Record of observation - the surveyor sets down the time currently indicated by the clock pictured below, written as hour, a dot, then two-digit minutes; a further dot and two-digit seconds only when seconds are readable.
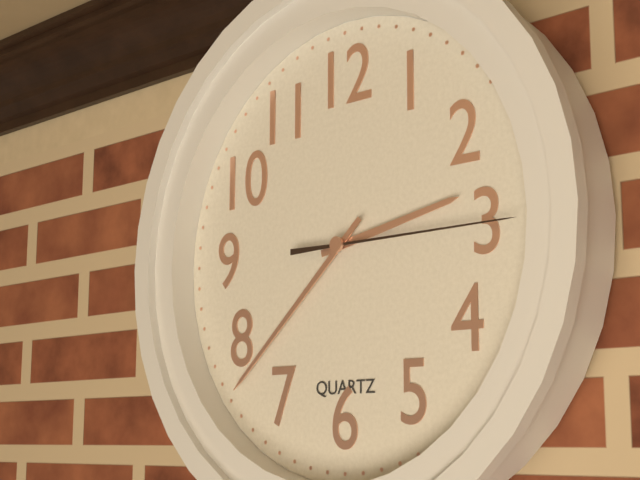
2.38.15
